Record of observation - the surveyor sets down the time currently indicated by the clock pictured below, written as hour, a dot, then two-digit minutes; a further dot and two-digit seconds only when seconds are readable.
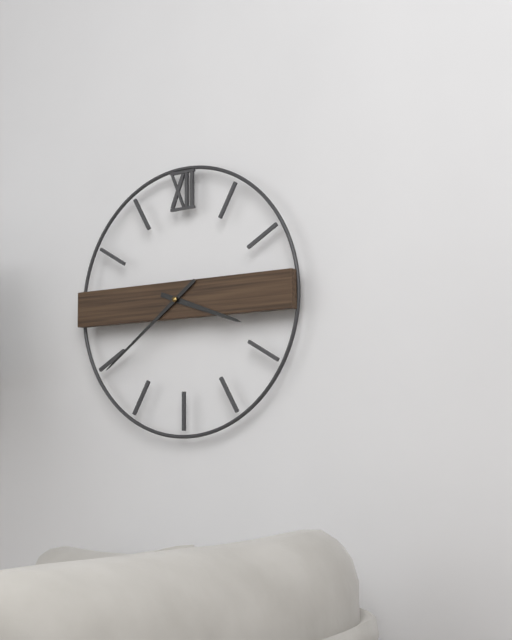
3.39
